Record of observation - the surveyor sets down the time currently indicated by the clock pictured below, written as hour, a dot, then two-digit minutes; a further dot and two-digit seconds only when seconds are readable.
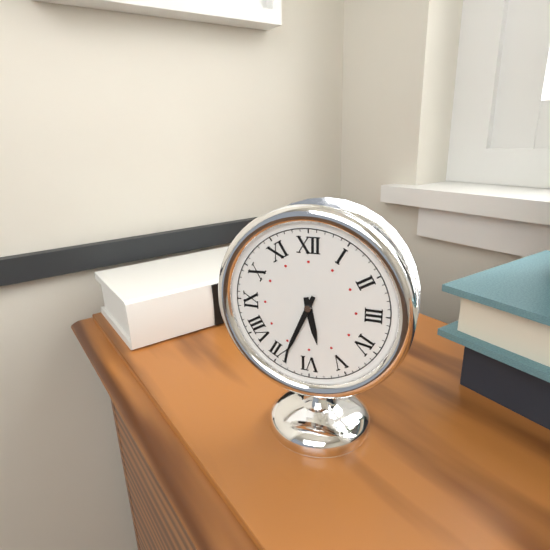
5.34
